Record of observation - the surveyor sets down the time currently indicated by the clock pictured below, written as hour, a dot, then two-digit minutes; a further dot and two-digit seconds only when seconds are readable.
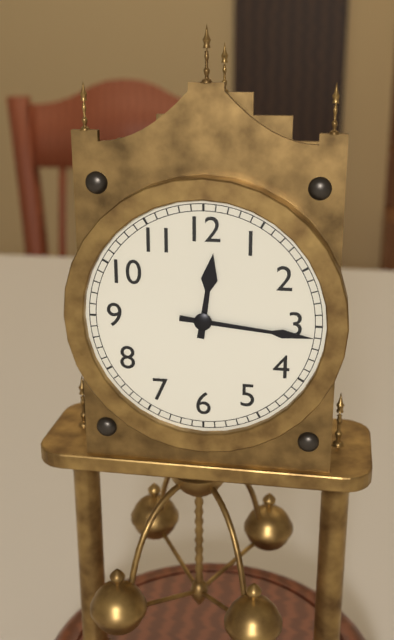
12.16
